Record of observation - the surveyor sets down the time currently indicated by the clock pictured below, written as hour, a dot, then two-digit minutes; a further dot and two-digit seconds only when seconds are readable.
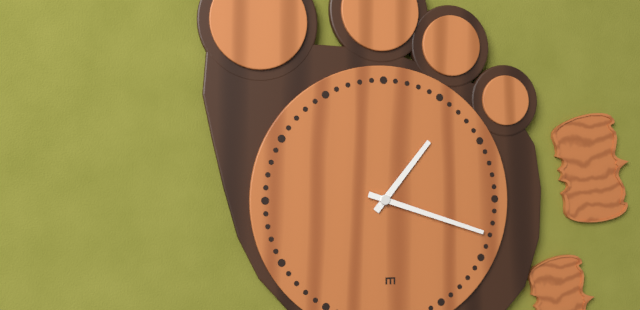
1.18
